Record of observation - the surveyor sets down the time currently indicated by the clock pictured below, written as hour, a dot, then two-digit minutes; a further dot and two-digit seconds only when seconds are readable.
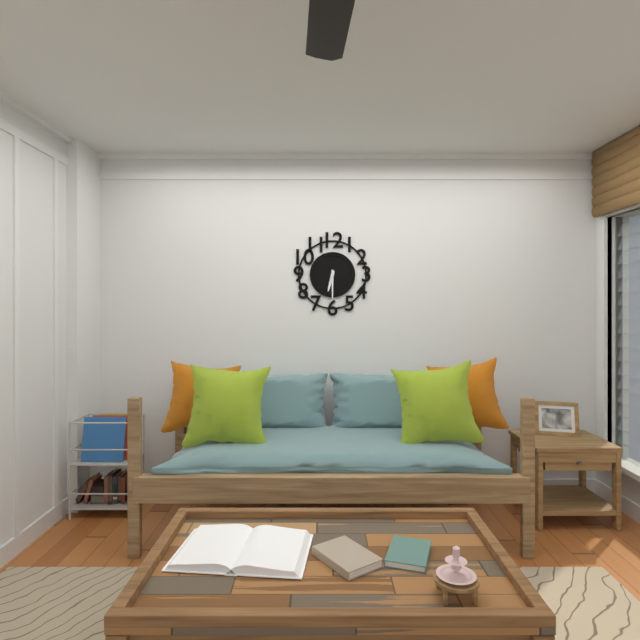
6.30
